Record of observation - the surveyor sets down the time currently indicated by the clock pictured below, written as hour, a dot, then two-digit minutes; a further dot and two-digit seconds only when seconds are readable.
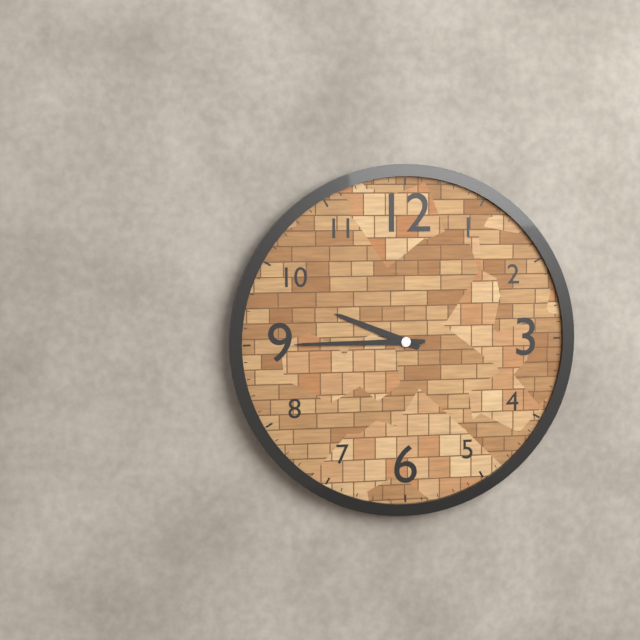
9.45
